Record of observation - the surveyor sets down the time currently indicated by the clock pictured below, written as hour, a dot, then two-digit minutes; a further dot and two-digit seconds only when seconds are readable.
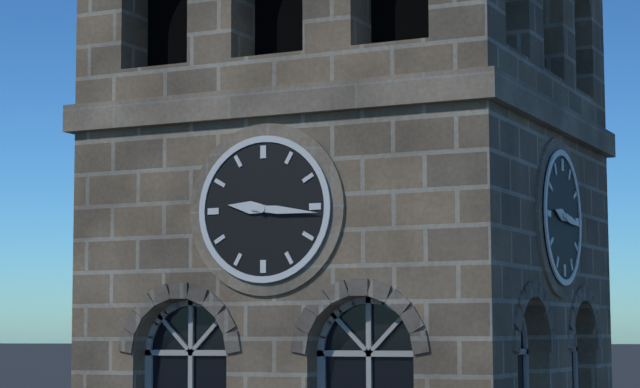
9.16
